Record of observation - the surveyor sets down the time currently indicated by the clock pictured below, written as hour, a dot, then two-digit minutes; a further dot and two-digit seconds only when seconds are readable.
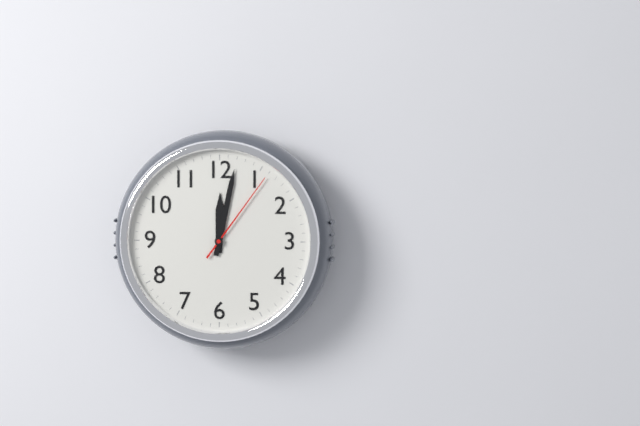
12.02.06
